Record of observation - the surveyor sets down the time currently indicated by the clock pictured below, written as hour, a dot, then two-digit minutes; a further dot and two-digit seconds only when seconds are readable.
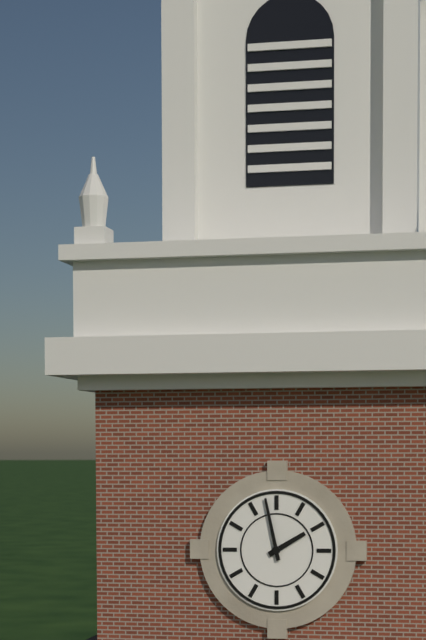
1.58
